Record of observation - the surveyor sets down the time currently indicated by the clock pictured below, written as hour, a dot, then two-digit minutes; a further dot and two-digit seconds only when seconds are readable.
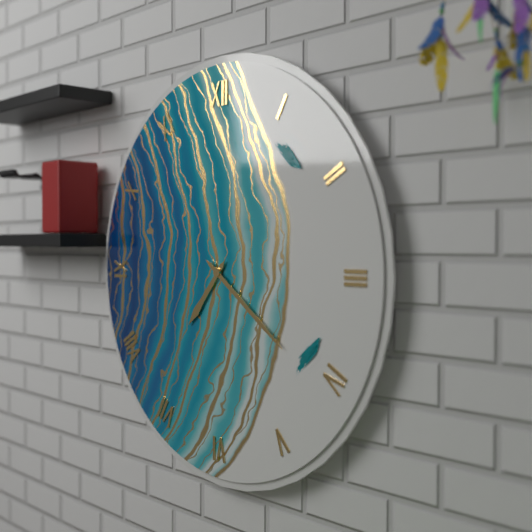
7.21
